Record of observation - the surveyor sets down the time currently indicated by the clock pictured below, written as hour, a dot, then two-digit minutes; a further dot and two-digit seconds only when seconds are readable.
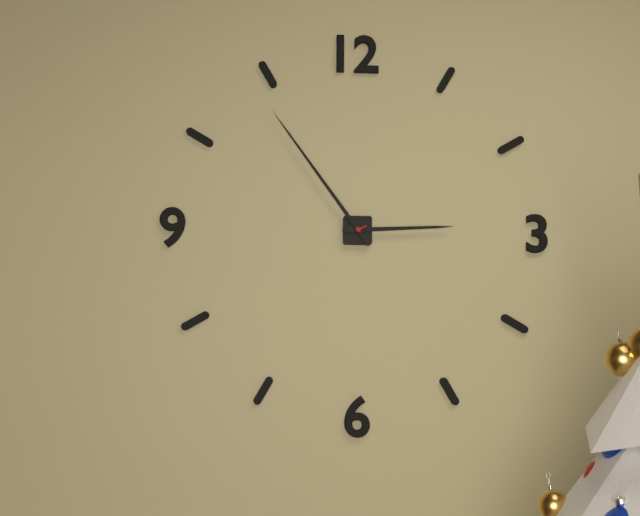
2.54
